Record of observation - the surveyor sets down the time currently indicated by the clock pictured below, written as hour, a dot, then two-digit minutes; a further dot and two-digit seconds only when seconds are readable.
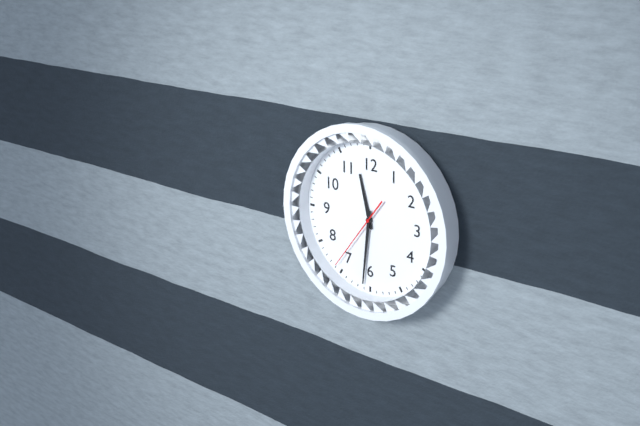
11.31.36
